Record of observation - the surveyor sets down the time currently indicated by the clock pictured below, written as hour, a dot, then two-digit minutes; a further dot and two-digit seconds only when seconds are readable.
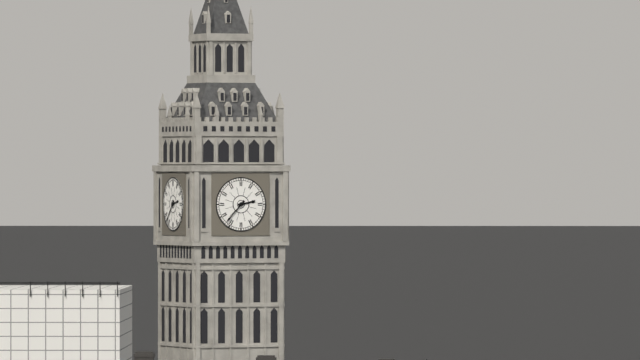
2.37
